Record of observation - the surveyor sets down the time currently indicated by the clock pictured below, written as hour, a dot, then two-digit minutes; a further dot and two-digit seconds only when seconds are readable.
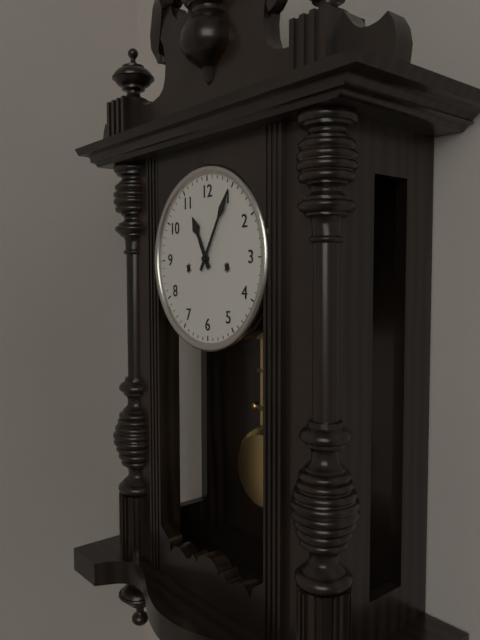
11.05
